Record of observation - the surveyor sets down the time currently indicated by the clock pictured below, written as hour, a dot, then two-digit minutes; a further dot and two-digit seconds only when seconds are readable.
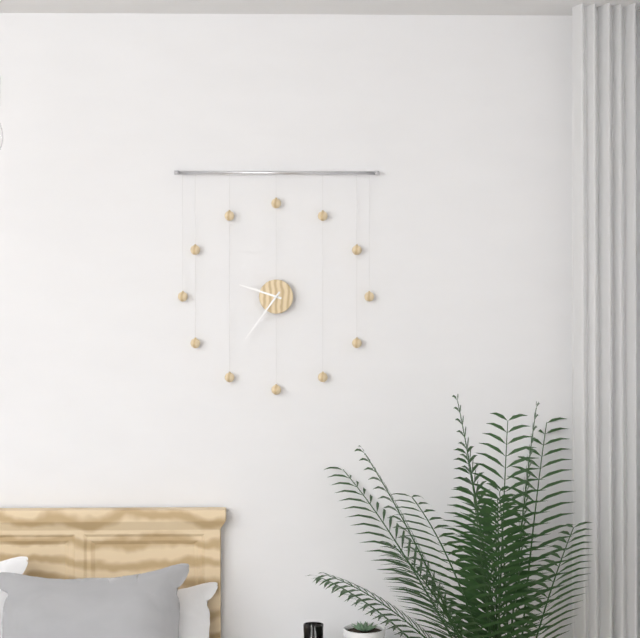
9.36
